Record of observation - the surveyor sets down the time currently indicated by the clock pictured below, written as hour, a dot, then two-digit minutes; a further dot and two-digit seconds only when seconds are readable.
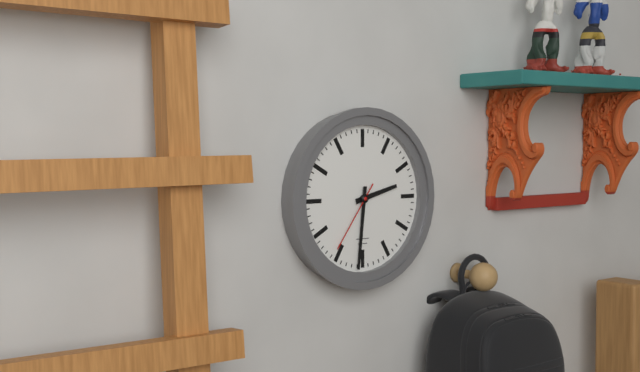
2.31.36
